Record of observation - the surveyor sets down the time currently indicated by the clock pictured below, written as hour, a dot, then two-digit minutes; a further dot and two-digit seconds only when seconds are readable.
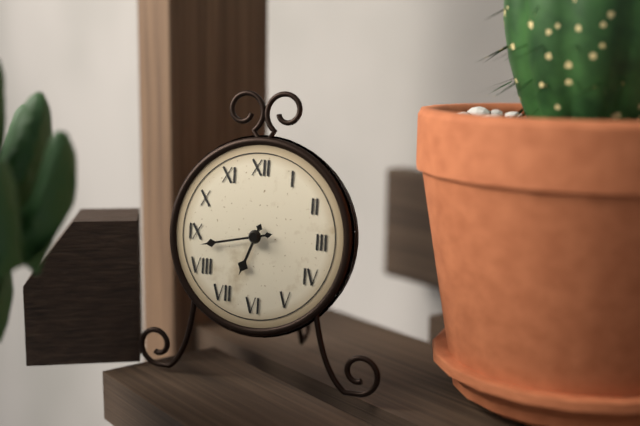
6.43
